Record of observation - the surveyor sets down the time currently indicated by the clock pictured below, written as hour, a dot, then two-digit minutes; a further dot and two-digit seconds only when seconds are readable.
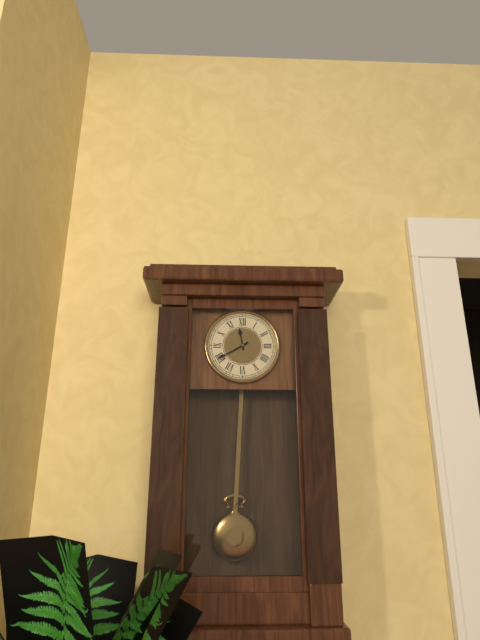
11.40
